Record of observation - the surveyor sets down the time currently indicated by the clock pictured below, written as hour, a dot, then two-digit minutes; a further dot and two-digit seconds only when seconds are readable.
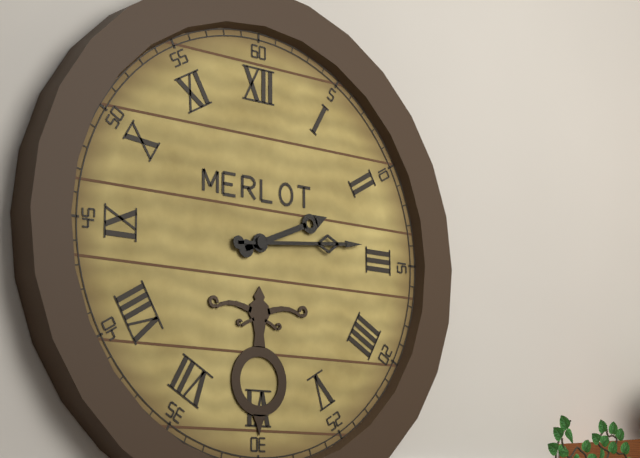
2.14
